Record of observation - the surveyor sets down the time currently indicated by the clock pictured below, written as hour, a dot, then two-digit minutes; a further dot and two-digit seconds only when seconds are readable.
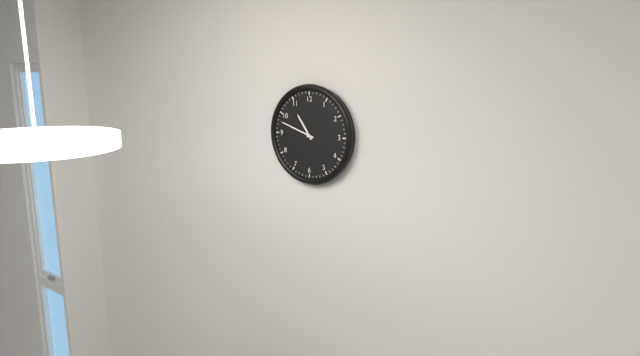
10.48
